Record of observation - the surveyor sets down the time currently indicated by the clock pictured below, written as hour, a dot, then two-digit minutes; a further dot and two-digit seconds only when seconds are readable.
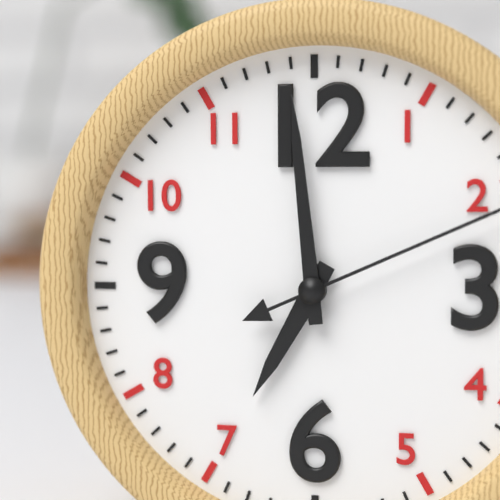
6.59
